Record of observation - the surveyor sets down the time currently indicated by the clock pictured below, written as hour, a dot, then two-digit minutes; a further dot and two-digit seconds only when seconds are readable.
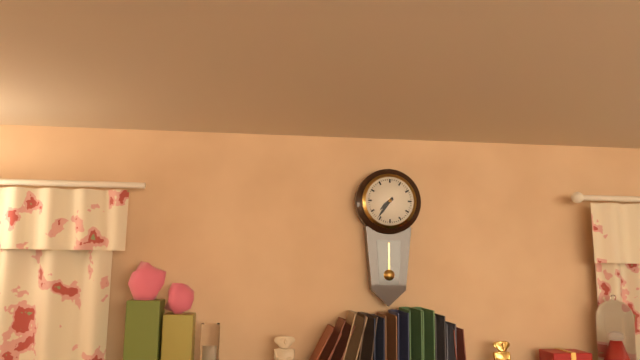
7.36
